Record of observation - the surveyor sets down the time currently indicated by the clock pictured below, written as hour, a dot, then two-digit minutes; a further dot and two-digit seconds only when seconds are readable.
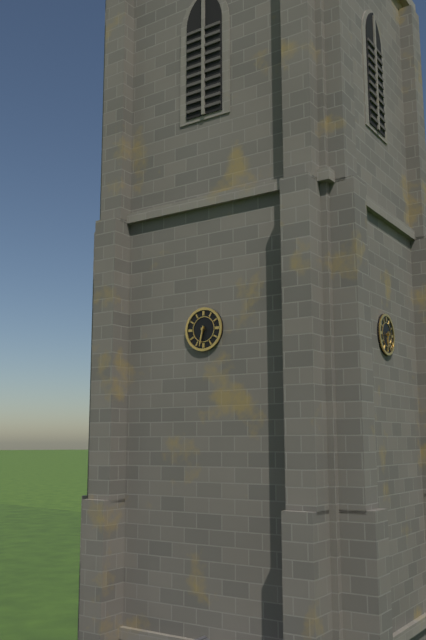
6.32
